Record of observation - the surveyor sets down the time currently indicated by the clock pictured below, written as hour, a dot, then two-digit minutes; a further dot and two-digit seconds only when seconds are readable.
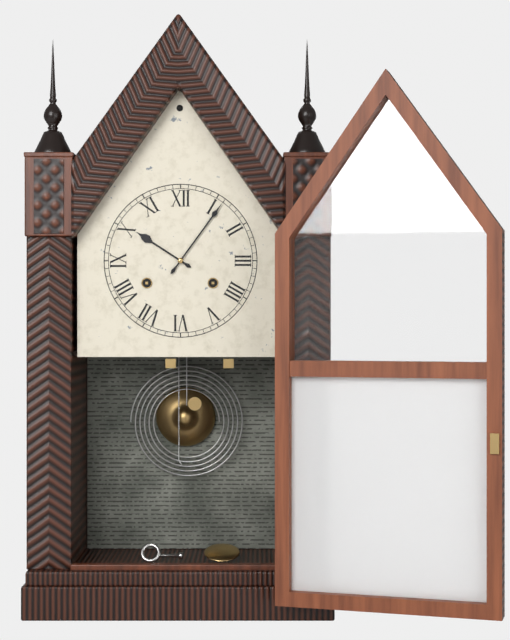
10.06
